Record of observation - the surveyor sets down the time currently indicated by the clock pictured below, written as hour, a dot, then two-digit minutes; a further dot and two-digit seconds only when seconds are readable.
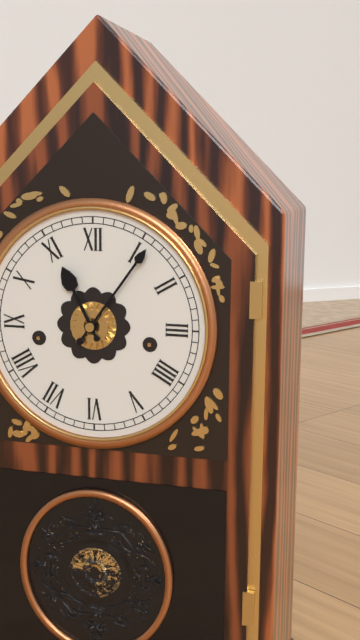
11.06
